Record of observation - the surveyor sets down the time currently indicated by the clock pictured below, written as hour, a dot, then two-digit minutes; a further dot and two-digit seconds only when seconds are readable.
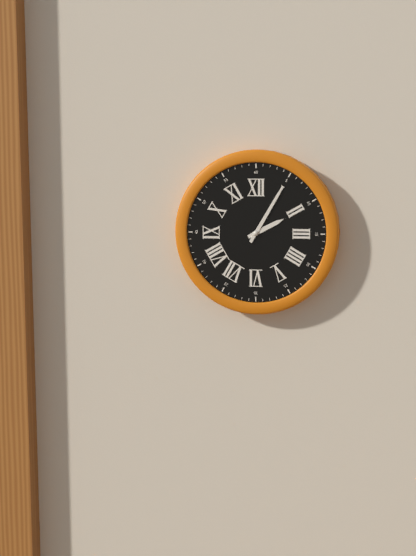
2.05
